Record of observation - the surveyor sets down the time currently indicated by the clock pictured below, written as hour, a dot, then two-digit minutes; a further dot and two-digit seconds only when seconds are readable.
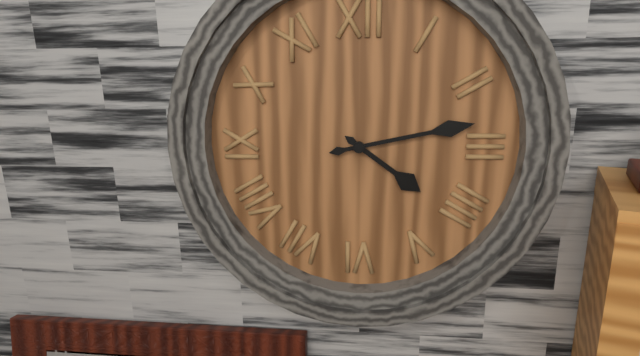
4.13
